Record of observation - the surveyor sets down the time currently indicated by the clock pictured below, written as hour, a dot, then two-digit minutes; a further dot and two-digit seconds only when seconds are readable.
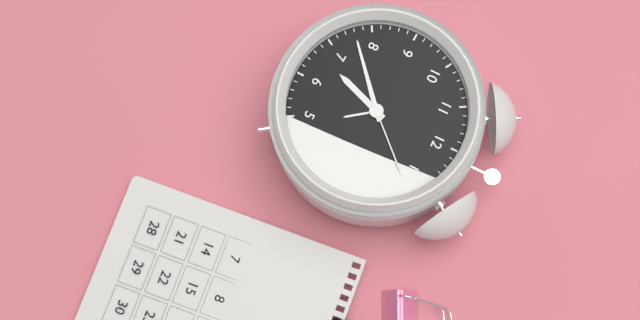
6.38.07
